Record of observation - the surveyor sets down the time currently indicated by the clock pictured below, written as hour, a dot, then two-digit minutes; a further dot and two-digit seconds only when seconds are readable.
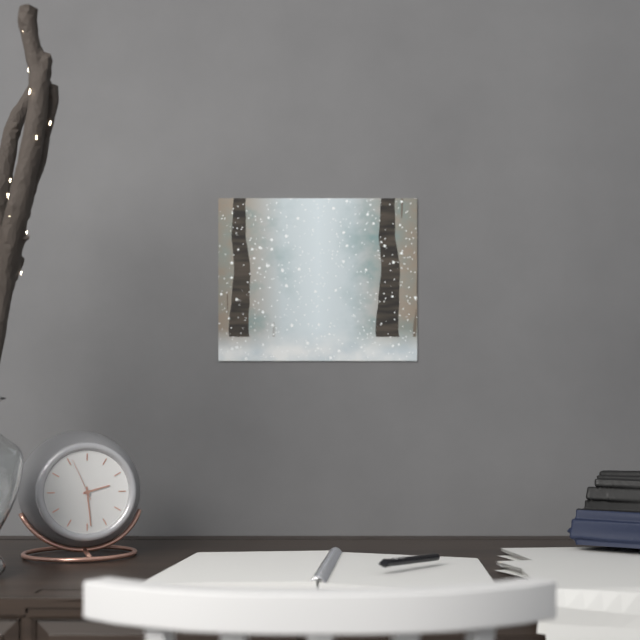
2.29
